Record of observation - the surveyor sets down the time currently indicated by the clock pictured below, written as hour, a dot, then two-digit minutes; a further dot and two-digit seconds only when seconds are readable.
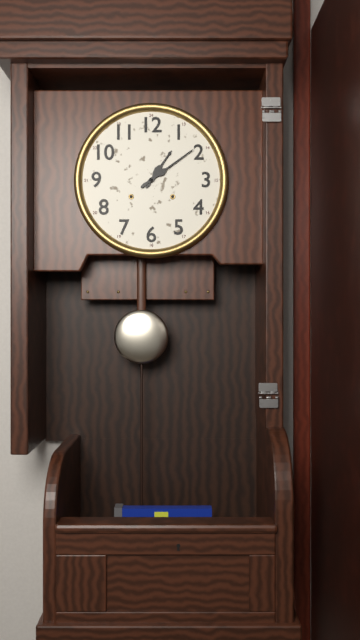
1.09
